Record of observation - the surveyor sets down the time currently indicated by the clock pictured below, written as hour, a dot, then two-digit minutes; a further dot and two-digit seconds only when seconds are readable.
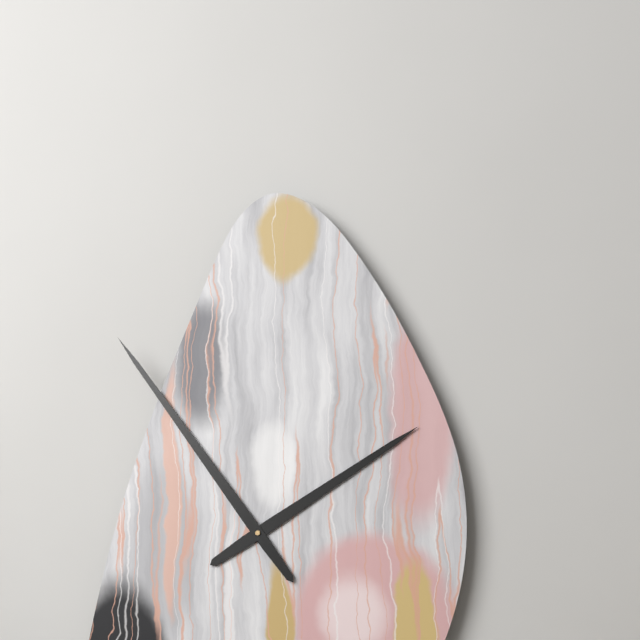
1.54
